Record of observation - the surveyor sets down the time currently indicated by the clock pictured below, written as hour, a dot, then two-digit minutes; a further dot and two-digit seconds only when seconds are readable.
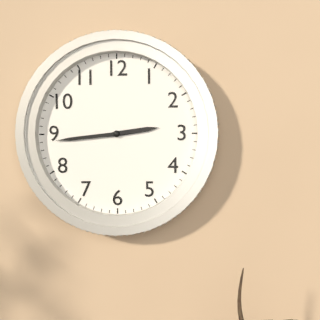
2.44
